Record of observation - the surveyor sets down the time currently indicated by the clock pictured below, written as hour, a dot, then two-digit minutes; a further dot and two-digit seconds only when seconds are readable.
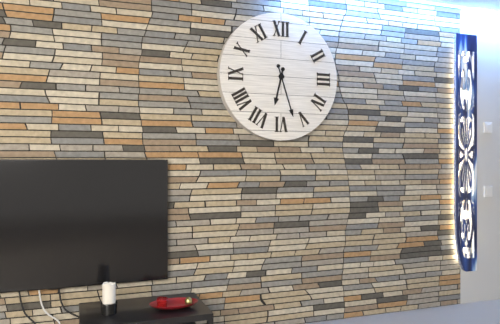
6.27
